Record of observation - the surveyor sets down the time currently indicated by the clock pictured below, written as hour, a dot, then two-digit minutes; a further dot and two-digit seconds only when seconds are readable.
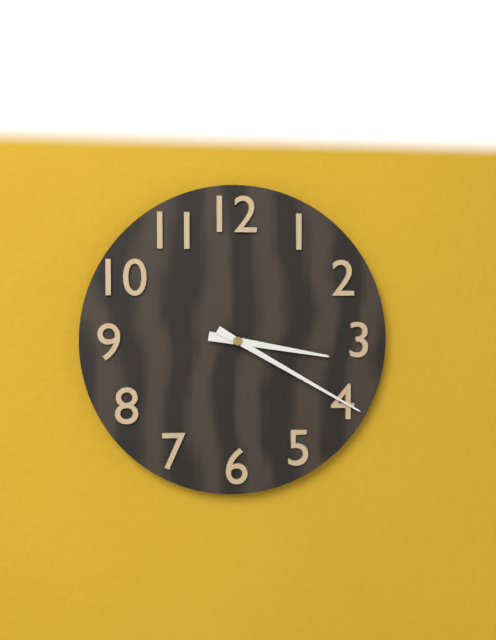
3.20
